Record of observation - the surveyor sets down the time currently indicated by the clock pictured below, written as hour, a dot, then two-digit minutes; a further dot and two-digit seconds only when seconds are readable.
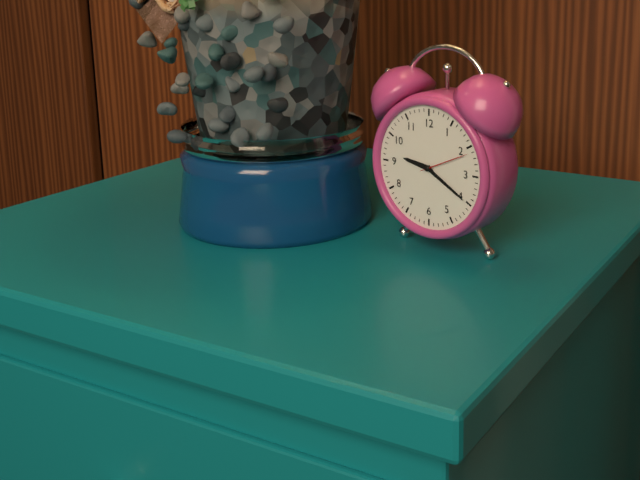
9.20.11
